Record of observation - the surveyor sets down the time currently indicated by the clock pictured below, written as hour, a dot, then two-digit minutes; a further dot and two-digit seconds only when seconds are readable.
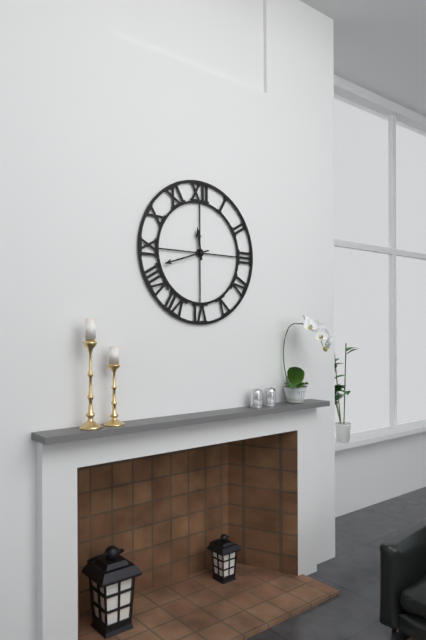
11.42
